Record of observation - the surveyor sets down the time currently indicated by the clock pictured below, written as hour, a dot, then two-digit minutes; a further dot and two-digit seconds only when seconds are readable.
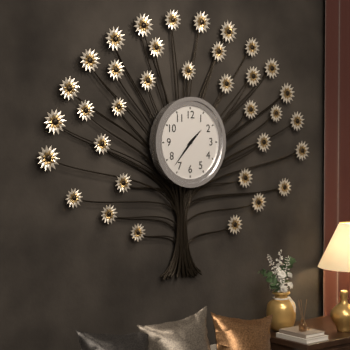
1.37
